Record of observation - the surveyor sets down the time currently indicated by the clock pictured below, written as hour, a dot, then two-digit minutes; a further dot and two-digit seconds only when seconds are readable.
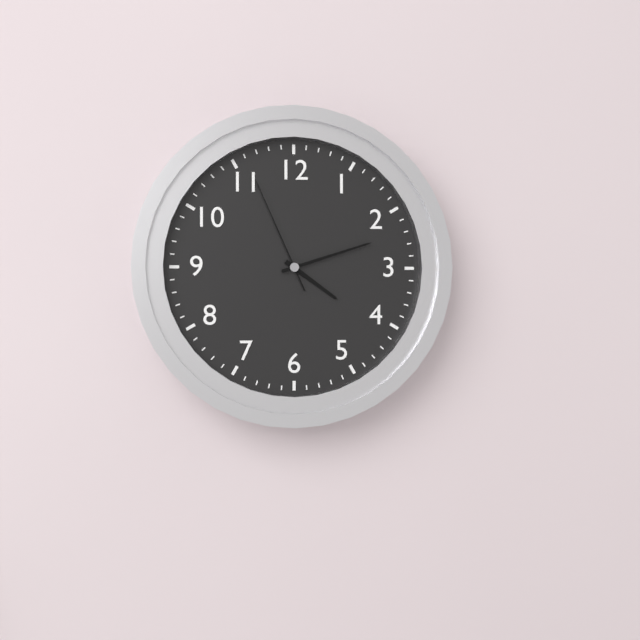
4.12.56
